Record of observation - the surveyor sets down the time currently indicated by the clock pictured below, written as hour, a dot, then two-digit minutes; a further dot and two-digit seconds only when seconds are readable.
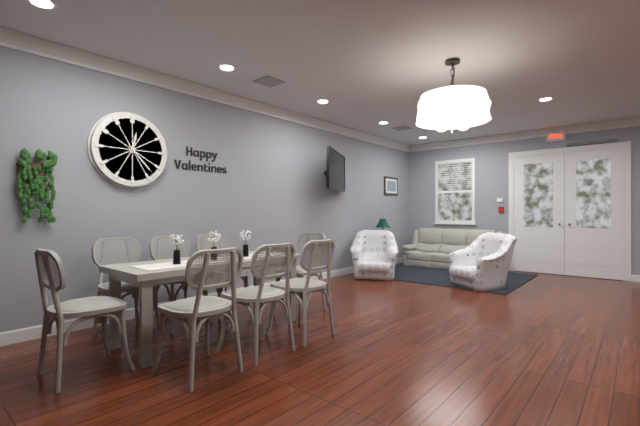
12.23
